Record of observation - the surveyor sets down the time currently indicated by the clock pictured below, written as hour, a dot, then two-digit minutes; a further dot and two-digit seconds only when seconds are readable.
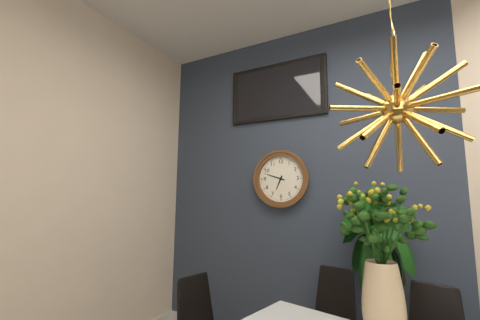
6.48
